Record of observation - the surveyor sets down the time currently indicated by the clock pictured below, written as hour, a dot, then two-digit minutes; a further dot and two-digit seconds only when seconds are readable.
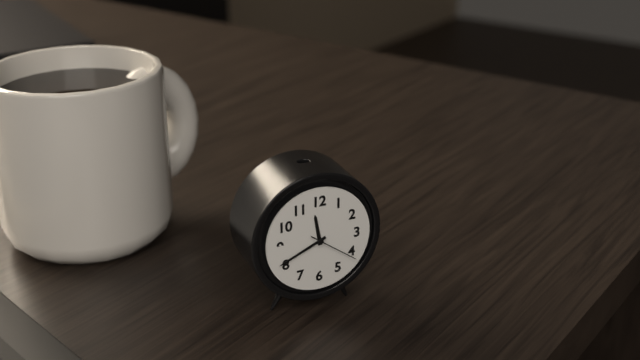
11.41.21
